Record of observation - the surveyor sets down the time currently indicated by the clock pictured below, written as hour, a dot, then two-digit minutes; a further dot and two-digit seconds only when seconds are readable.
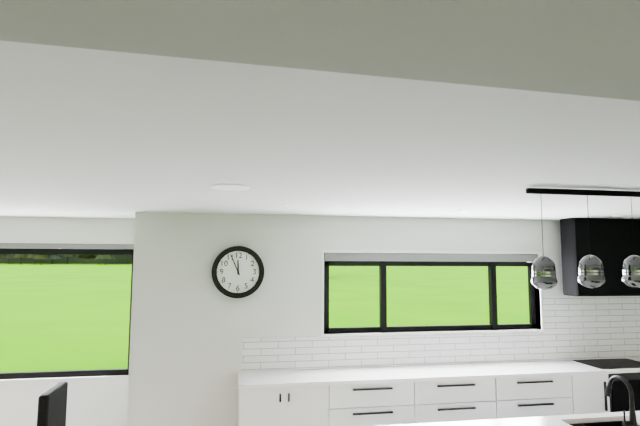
11.56
